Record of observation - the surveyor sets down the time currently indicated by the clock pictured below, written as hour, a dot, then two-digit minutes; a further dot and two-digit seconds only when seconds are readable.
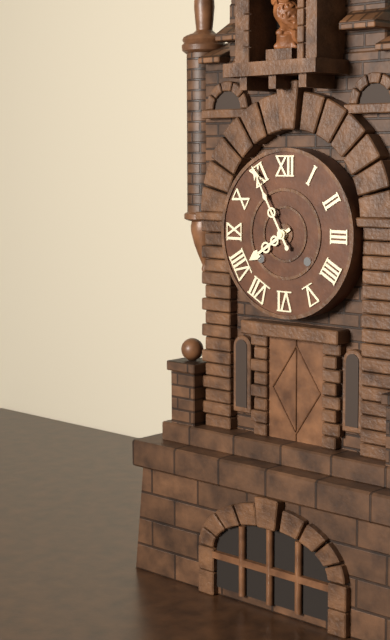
7.55
